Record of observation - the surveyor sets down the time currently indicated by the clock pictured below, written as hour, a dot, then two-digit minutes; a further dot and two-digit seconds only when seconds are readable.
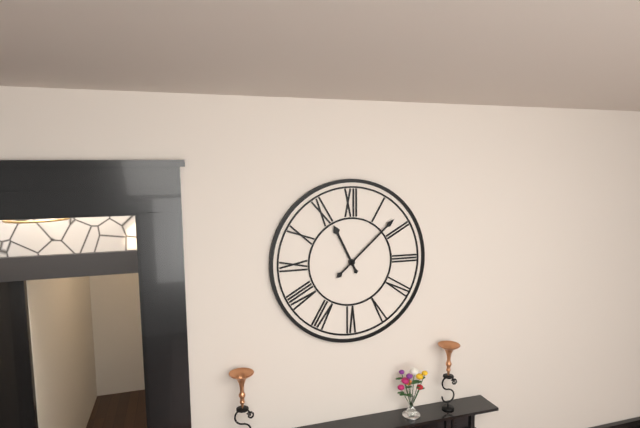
11.08
